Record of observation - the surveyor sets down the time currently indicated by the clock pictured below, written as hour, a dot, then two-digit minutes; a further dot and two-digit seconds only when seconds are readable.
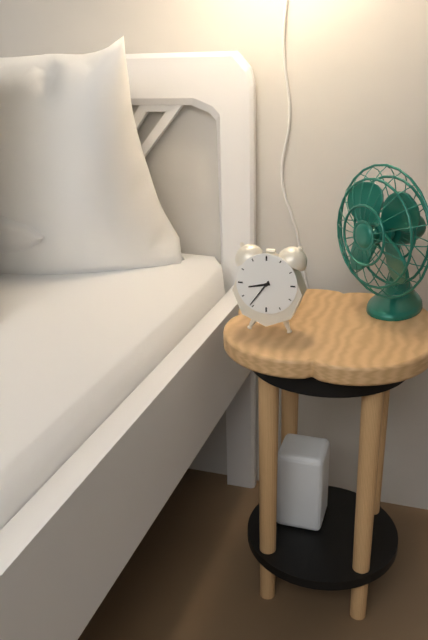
8.36
